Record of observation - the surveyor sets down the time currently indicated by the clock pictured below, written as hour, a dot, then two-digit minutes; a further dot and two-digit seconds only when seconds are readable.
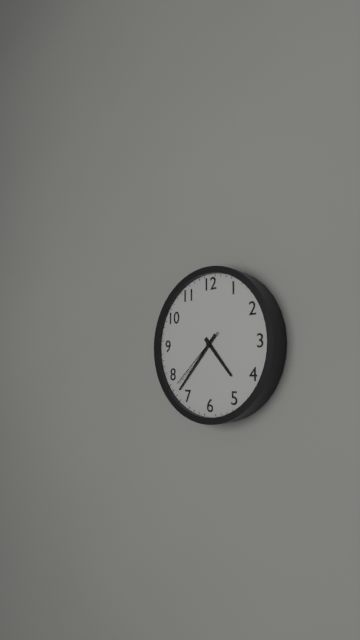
4.37.38
